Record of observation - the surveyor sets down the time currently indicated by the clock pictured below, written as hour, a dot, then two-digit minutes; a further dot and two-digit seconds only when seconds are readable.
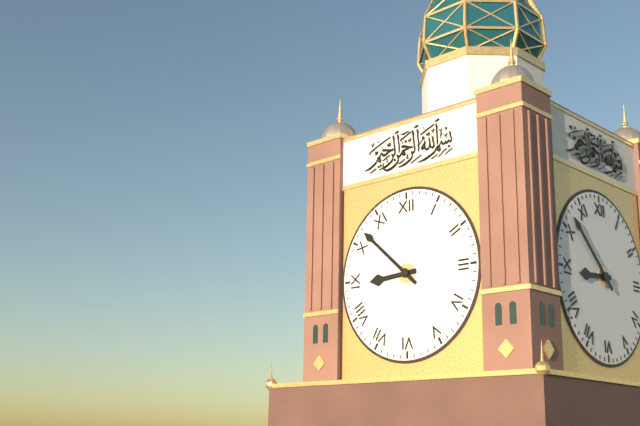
8.52
